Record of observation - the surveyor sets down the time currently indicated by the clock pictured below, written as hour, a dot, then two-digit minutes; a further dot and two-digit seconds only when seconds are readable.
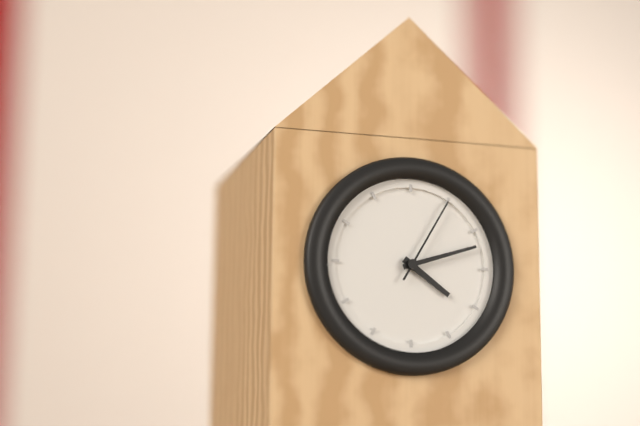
4.12.05
